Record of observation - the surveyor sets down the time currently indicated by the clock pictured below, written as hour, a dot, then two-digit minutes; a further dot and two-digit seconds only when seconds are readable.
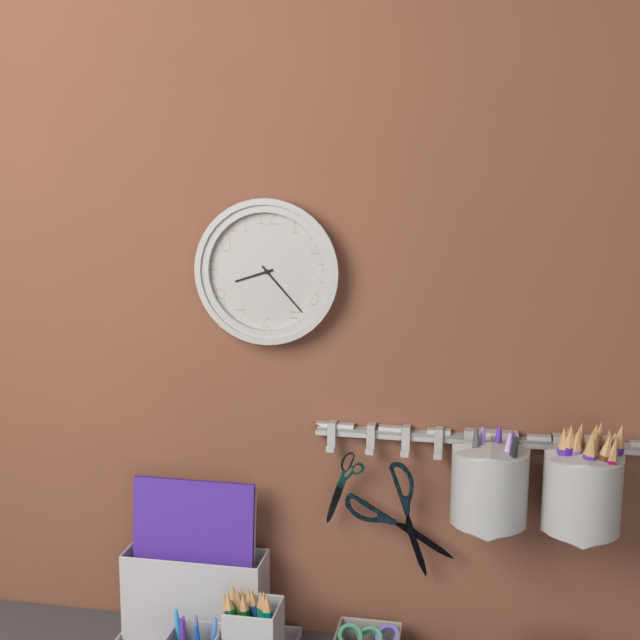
8.23
